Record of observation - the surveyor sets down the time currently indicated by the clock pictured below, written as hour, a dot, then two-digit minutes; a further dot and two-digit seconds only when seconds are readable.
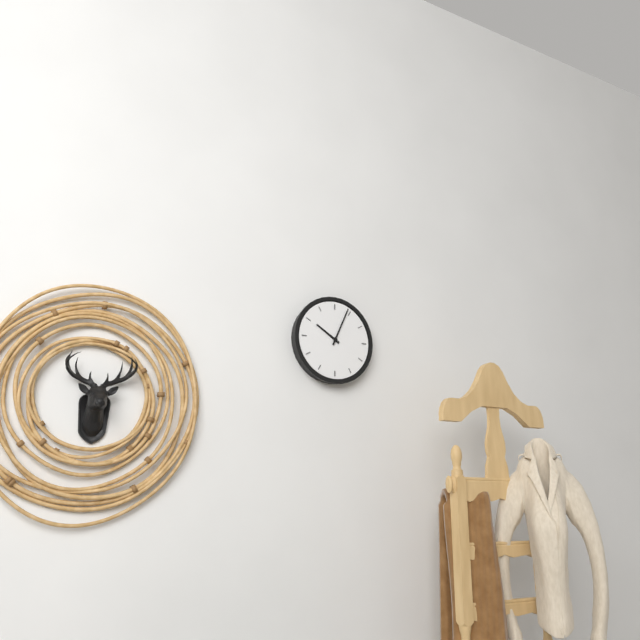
10.04
